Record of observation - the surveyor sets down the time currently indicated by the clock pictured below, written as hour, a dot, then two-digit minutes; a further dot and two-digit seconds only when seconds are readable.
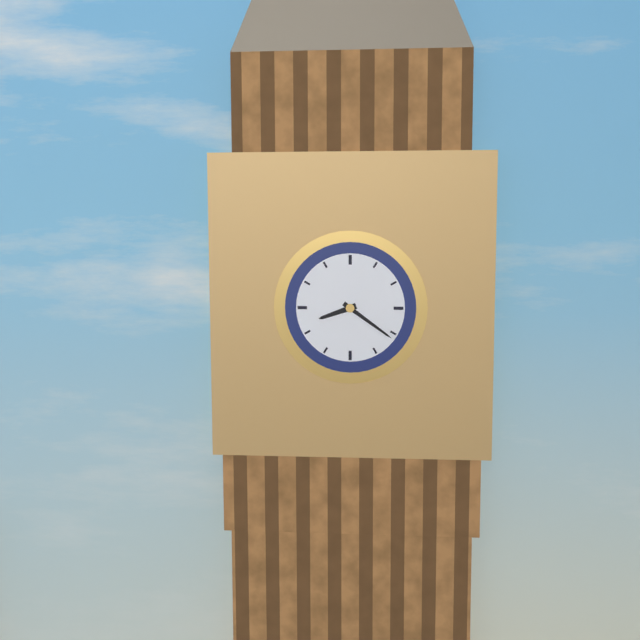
8.21
